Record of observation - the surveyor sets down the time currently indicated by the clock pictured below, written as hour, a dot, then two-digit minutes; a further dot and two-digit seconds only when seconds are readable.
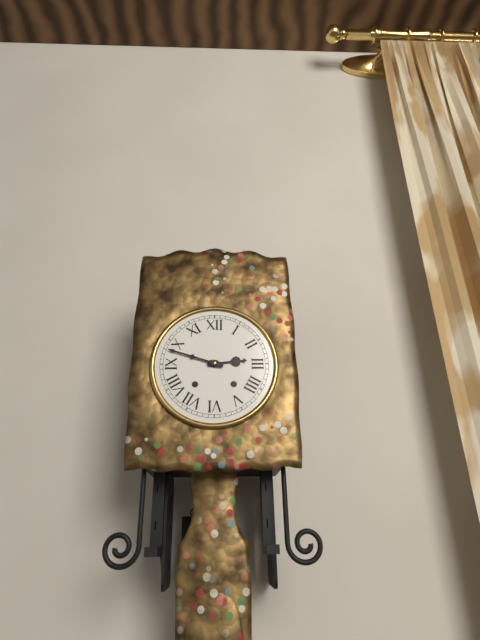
2.48
